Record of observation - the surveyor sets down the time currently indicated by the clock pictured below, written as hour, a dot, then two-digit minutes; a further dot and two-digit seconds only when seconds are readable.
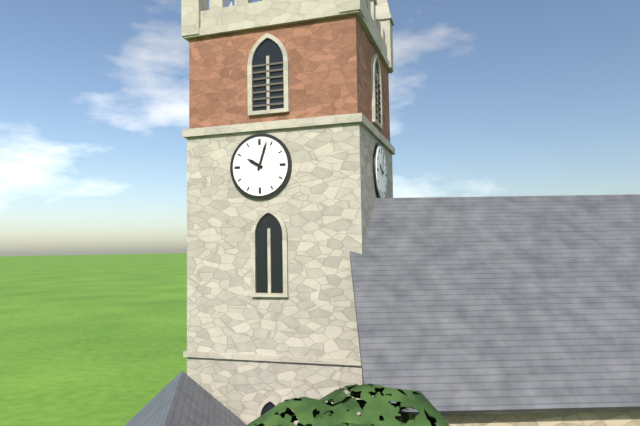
10.03
